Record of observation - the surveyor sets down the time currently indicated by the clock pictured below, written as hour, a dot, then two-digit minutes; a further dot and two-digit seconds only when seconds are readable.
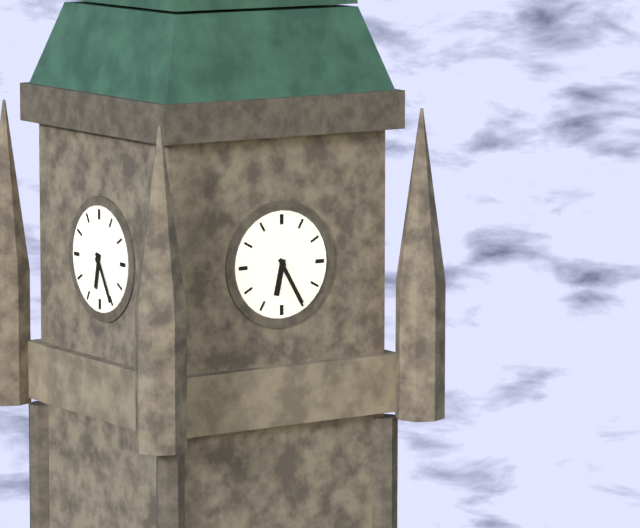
6.25
